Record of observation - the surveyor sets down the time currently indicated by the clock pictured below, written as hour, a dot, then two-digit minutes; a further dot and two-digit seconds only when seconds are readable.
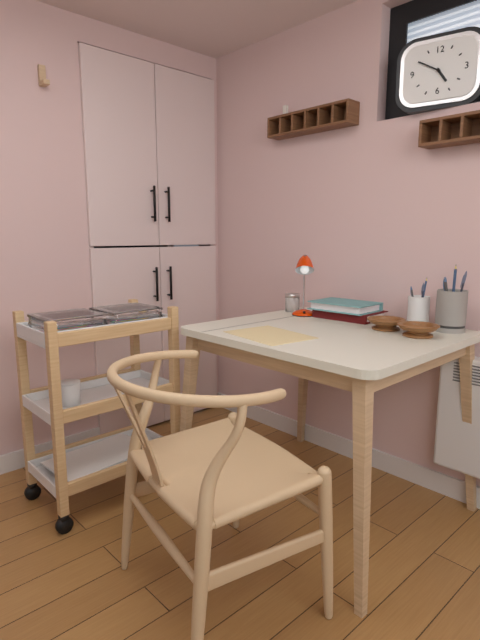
4.50
